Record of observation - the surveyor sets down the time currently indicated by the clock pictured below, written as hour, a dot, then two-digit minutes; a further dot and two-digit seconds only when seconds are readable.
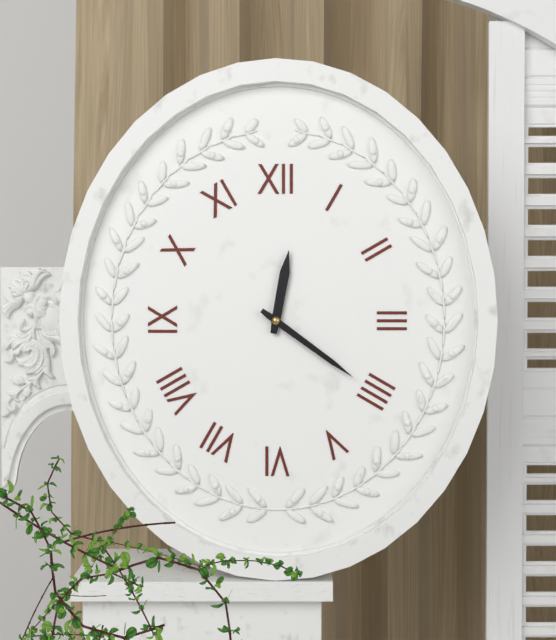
12.21
